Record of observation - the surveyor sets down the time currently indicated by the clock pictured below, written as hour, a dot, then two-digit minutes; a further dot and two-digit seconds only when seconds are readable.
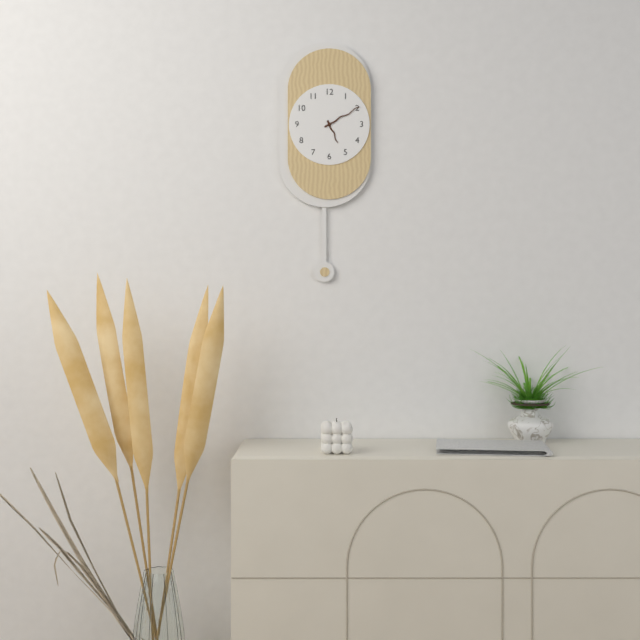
5.10
